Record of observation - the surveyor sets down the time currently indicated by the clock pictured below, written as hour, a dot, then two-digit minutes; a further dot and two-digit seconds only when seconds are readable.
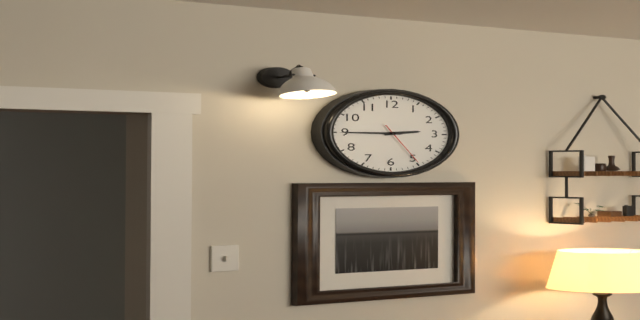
2.45
